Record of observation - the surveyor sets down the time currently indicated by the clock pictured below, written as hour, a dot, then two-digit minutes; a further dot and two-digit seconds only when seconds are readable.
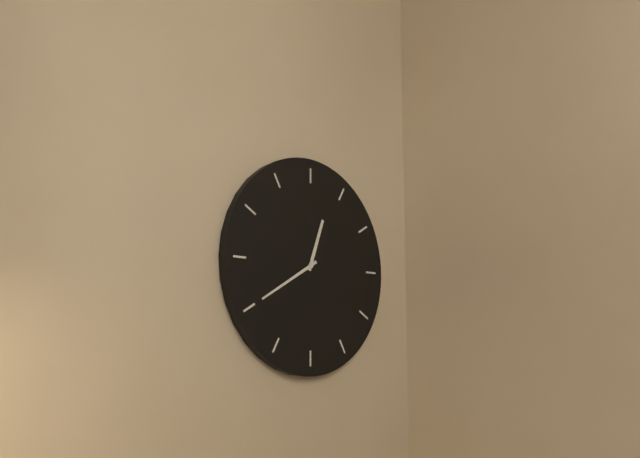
12.40
